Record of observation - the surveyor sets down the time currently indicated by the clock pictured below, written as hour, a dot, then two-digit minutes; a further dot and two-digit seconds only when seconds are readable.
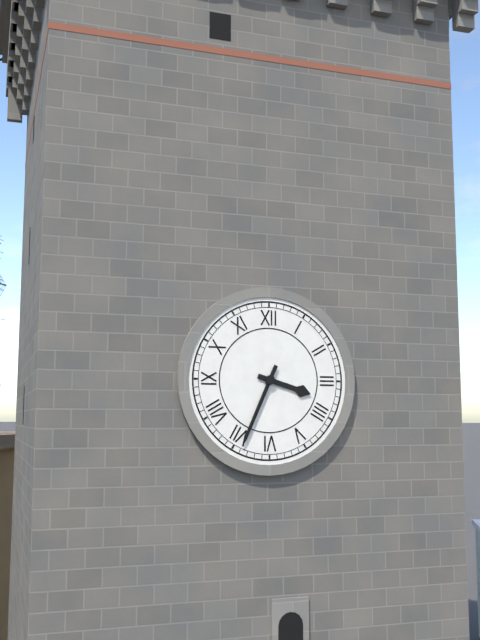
3.34
